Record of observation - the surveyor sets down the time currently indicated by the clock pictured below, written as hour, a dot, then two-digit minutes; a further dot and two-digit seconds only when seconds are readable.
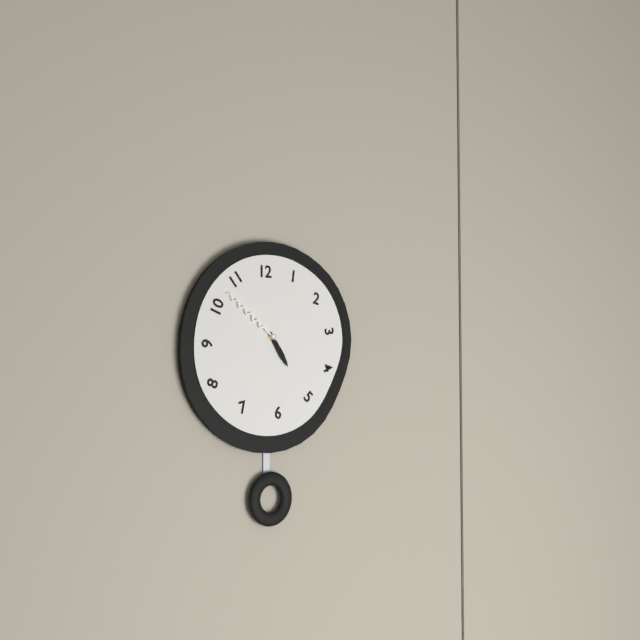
4.51
